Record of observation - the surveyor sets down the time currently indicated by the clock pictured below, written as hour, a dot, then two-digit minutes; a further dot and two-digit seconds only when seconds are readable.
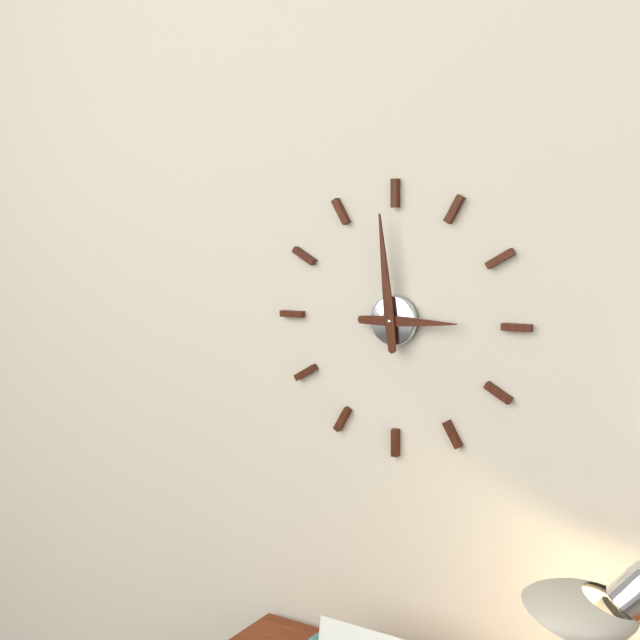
2.59
